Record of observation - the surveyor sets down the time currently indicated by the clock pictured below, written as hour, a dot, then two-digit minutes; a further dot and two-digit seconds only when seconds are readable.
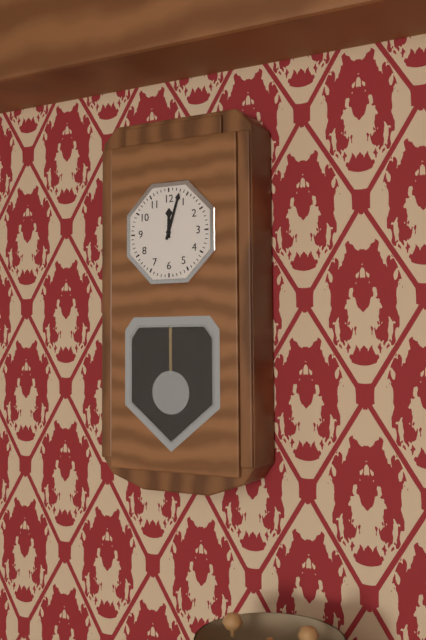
12.03
